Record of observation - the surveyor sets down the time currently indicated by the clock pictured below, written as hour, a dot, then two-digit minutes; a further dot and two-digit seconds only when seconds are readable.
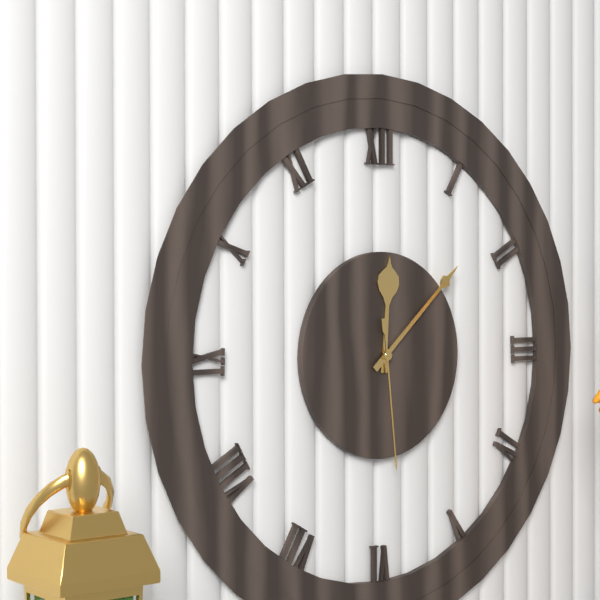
12.08.29
